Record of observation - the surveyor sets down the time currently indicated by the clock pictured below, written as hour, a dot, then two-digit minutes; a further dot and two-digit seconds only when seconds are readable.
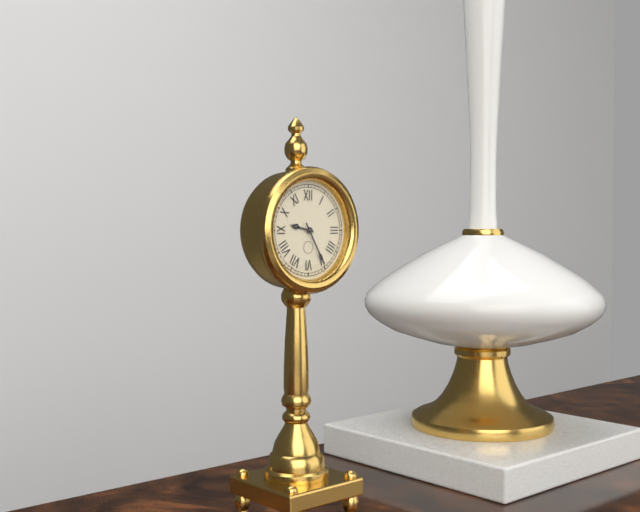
9.25
